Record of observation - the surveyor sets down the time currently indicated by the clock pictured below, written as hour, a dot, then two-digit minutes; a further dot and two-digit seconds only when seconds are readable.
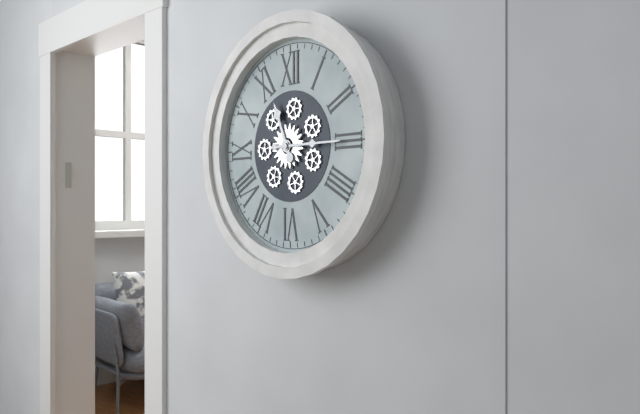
11.15
